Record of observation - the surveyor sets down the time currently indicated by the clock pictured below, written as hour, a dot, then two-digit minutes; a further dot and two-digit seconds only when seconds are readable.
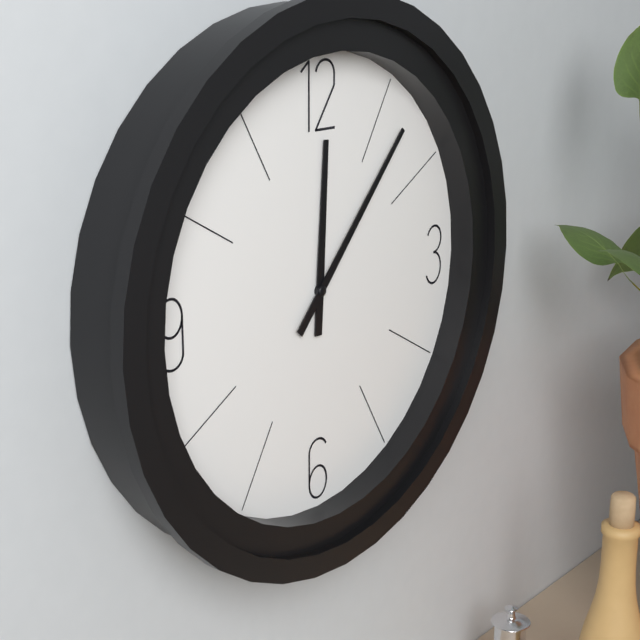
12.07
